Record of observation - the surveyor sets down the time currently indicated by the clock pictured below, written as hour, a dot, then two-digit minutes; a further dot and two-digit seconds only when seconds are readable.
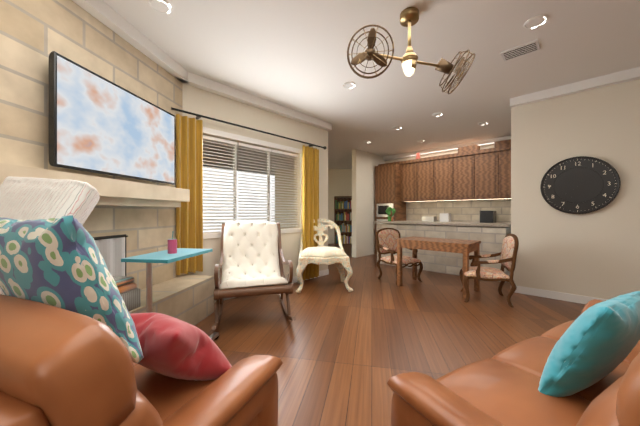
7.34
